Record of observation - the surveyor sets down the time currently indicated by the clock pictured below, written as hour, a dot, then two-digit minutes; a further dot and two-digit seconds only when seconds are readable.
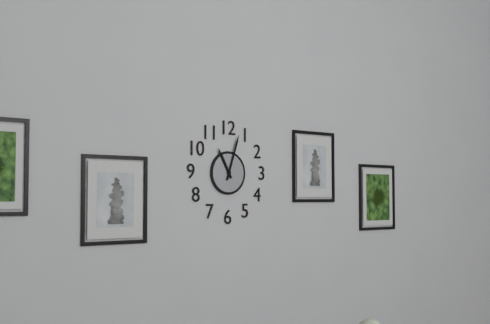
11.03
